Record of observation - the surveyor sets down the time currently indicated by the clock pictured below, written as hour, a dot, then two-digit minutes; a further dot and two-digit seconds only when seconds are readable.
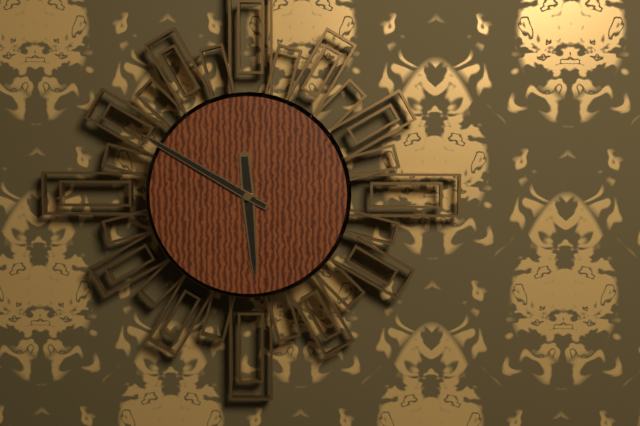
5.50
